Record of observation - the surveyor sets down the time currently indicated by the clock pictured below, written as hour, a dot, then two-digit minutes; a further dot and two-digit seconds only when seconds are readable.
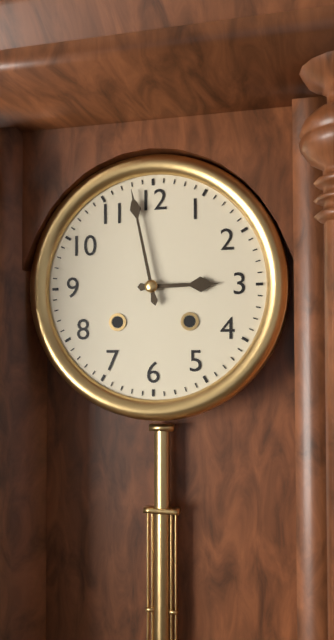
2.58
